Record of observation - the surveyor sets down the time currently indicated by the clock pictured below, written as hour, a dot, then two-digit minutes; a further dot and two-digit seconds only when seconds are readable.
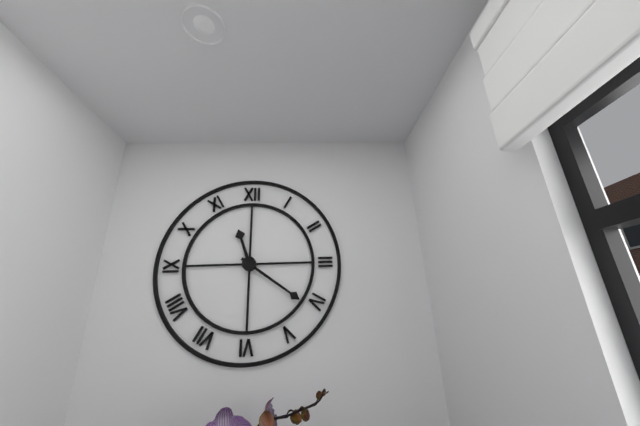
11.21
